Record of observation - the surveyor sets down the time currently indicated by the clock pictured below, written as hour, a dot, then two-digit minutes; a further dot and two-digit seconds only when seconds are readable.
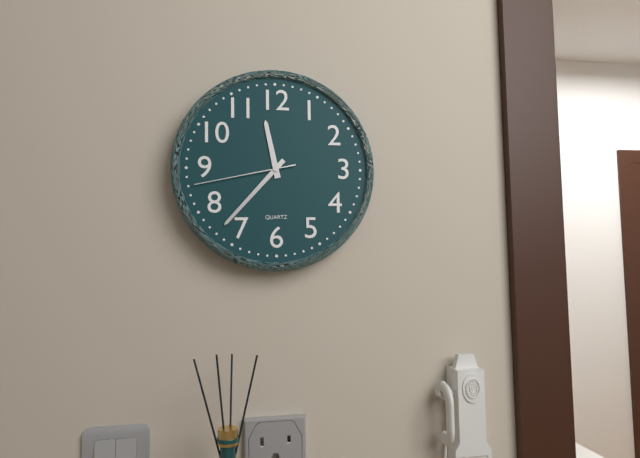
11.37.43
